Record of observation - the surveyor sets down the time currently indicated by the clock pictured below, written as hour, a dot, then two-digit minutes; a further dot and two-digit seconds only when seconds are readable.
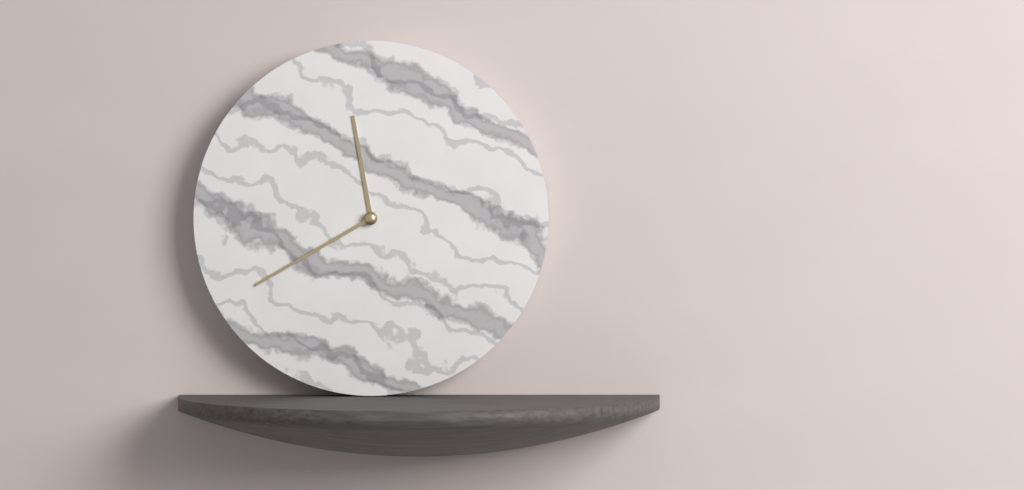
11.40
